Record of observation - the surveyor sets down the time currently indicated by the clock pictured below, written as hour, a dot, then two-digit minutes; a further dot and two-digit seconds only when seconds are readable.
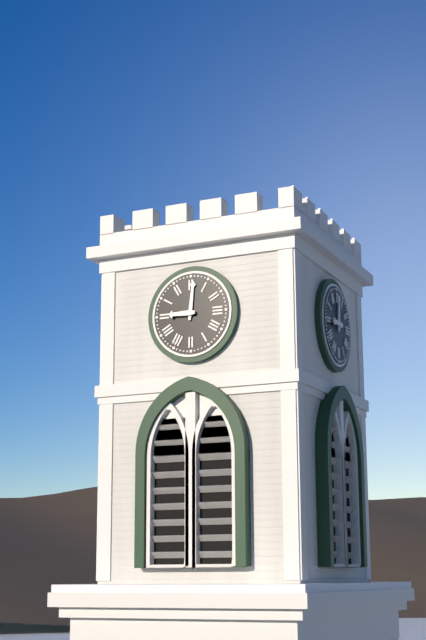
9.01
